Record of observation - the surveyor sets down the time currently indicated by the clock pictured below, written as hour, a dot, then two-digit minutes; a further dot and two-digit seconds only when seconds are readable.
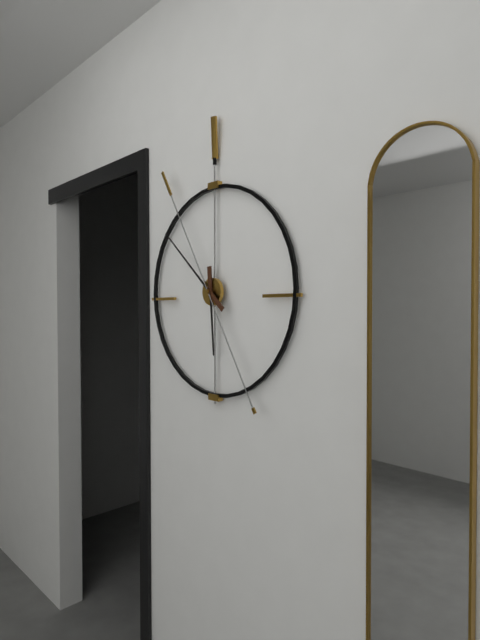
5.52.55
